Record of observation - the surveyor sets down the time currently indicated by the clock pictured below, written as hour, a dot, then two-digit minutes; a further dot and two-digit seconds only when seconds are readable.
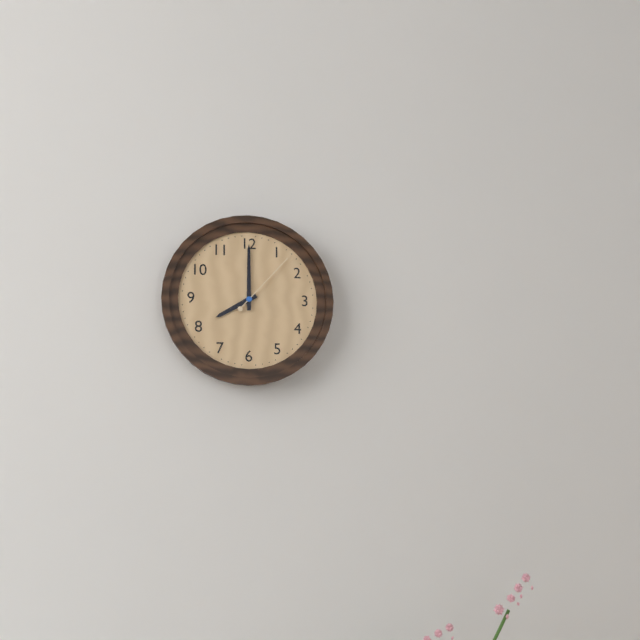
8.00.07
